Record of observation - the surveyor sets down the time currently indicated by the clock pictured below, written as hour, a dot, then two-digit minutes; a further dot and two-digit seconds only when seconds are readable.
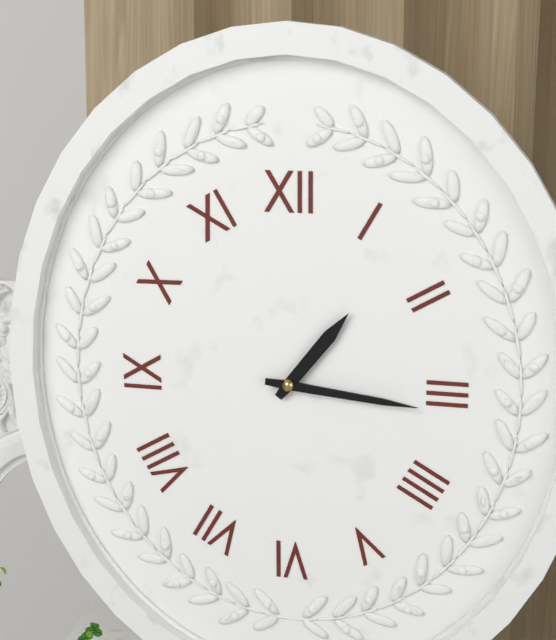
1.16
